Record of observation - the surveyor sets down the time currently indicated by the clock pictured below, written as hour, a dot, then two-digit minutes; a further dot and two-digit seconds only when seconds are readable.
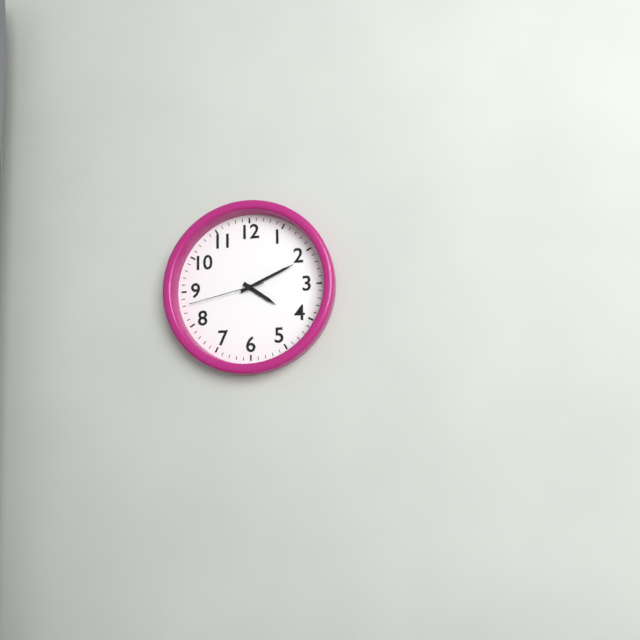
4.11.43
